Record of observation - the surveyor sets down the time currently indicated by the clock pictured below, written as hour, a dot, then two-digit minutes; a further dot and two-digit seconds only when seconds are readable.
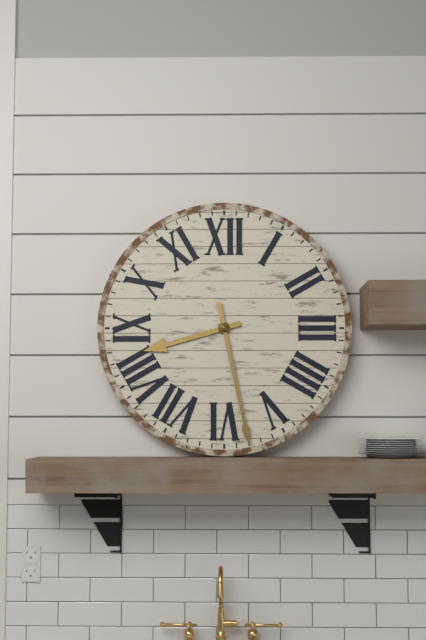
8.28
